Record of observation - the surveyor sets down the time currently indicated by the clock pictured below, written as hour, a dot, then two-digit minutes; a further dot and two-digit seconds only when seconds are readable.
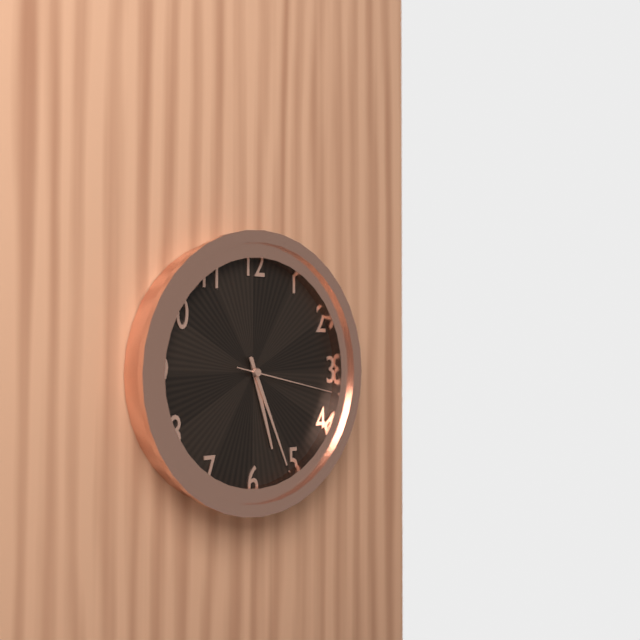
5.26.17
